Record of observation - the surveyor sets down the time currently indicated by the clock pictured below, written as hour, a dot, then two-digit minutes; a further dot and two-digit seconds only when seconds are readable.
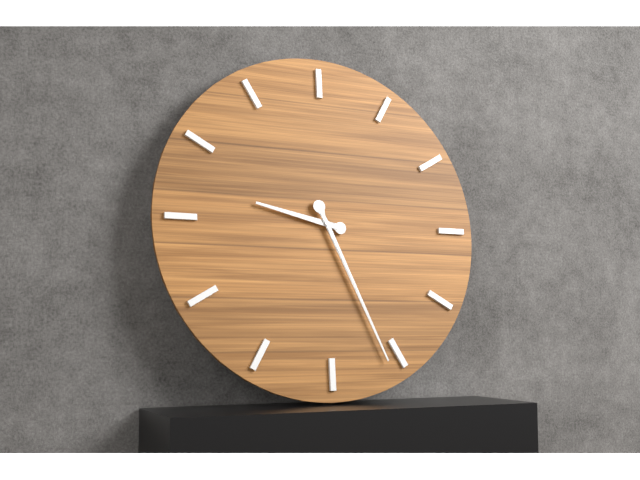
9.26
